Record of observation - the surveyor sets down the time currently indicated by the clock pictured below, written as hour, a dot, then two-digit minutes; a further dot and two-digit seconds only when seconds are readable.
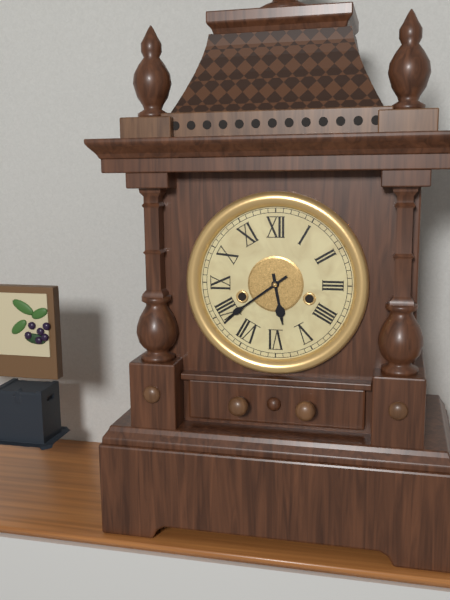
5.39
